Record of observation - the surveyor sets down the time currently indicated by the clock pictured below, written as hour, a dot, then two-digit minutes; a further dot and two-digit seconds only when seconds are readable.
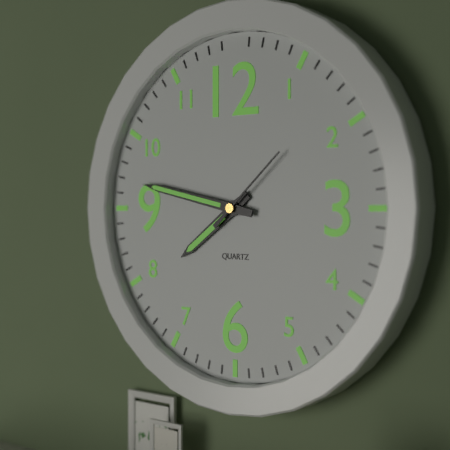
7.47.08
